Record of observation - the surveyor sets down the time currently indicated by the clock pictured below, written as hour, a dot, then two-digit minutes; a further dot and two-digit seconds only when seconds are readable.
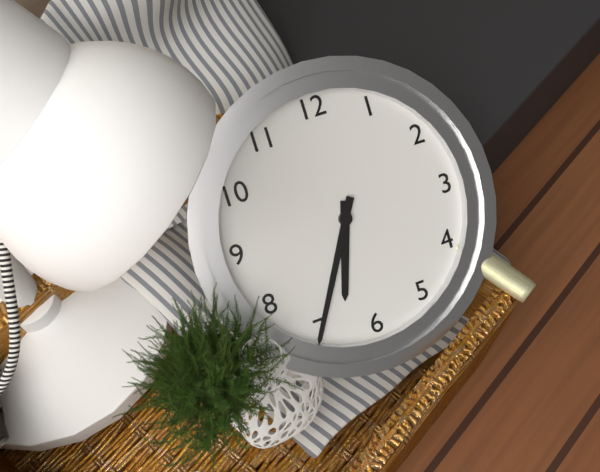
6.35
